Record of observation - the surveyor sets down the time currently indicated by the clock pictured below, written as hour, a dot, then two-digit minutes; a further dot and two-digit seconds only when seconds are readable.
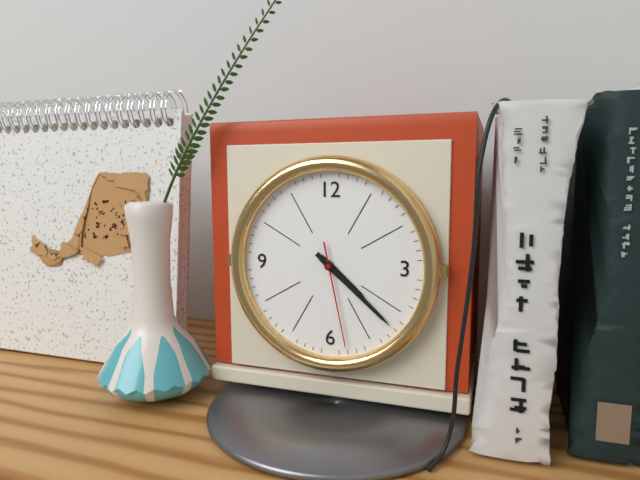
4.22.28
